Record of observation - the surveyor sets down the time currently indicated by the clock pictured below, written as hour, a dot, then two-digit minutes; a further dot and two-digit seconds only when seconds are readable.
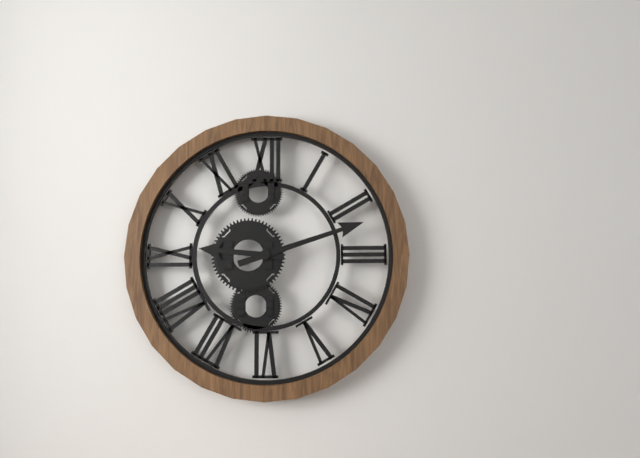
9.12
